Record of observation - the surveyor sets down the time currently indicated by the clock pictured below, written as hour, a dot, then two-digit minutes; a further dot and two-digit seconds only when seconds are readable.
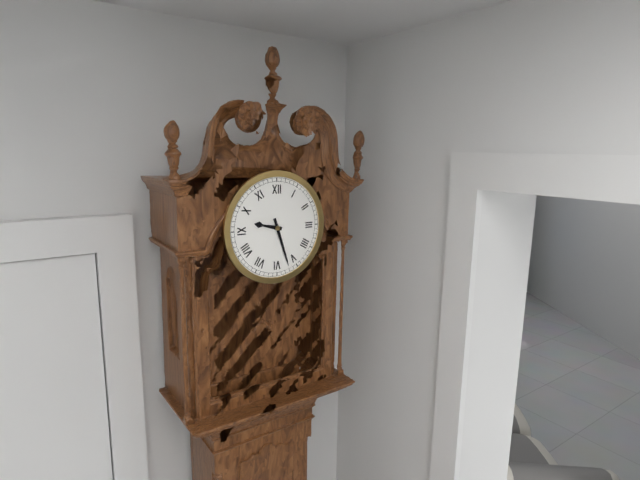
9.27
